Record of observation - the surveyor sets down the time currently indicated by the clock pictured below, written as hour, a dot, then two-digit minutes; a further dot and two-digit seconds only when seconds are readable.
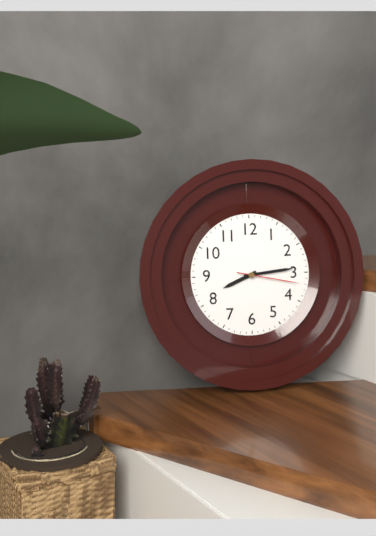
8.14.17
